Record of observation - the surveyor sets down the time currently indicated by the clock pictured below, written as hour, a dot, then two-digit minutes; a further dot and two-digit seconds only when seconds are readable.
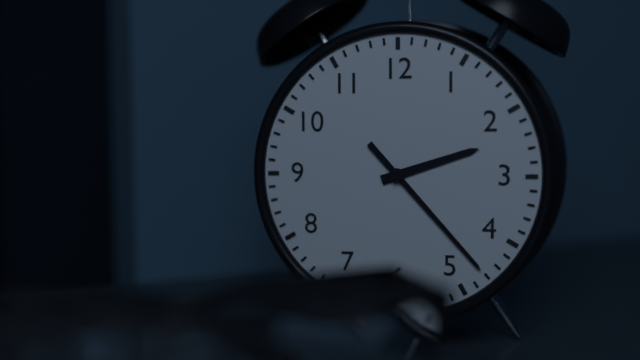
2.23
